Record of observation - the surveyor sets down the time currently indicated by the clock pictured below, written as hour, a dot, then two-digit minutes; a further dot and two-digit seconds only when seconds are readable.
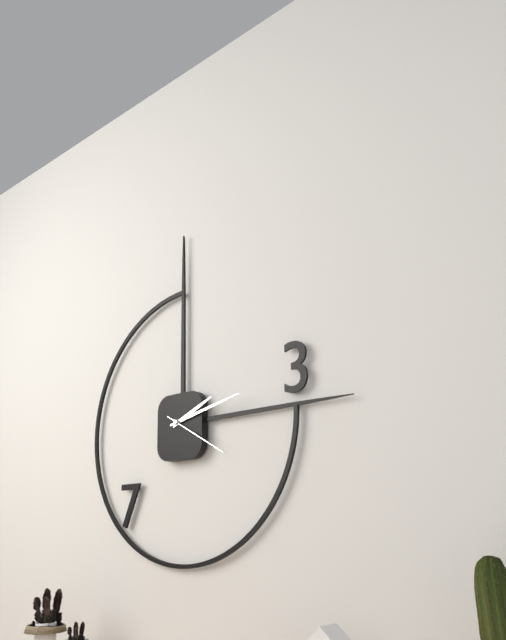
2.13.20
